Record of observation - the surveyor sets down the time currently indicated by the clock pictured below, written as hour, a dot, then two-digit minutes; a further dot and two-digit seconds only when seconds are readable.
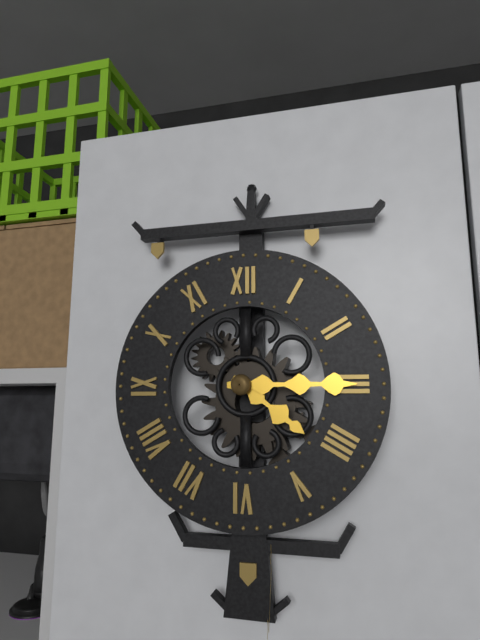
4.15
